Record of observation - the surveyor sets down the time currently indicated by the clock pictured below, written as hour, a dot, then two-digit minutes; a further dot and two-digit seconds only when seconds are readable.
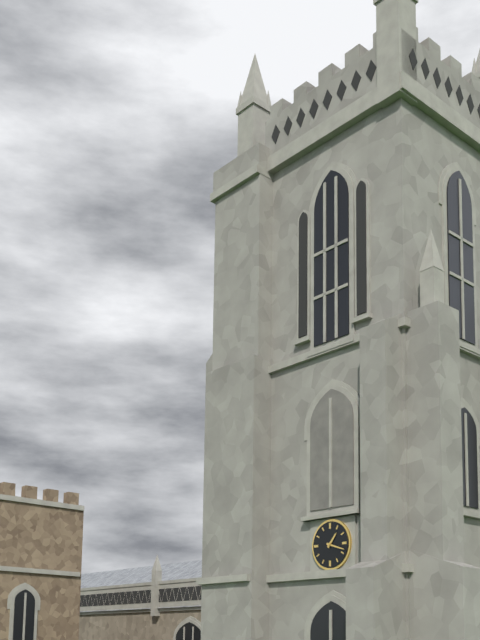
1.18
